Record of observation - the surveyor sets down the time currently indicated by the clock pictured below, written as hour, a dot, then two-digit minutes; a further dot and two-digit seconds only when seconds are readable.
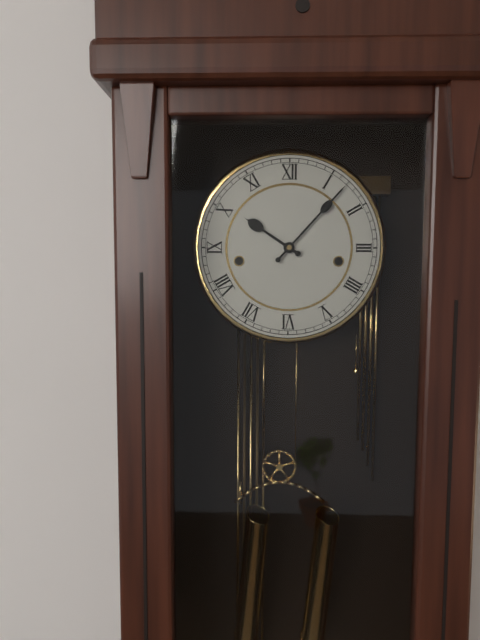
10.07
